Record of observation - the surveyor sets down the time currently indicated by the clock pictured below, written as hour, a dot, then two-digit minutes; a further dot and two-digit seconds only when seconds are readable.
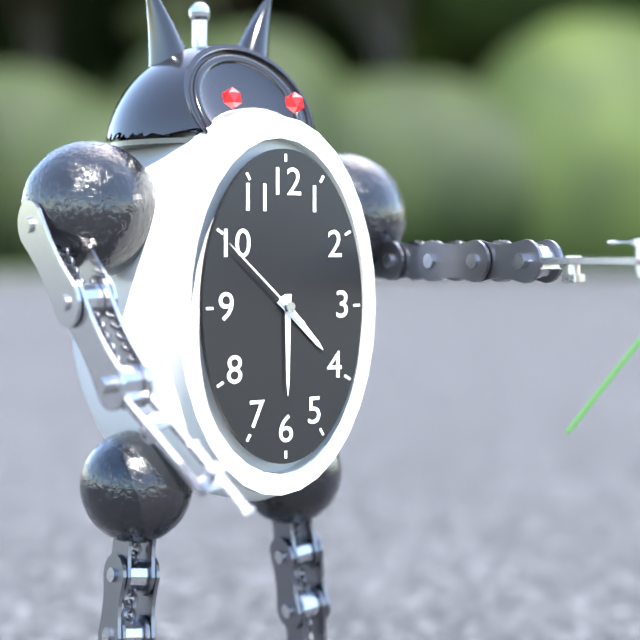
4.30.52
